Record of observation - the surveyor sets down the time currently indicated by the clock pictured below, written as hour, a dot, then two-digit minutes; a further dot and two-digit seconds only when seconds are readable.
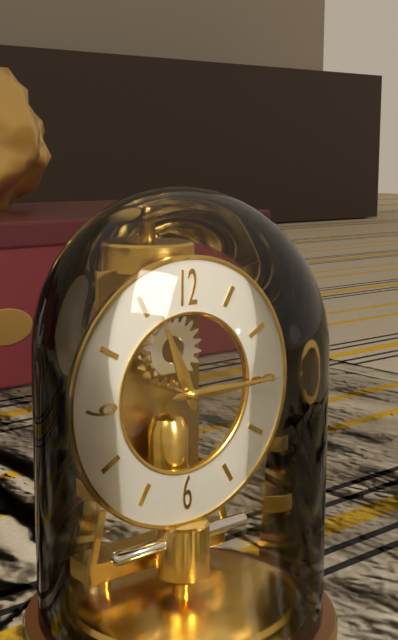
11.15
